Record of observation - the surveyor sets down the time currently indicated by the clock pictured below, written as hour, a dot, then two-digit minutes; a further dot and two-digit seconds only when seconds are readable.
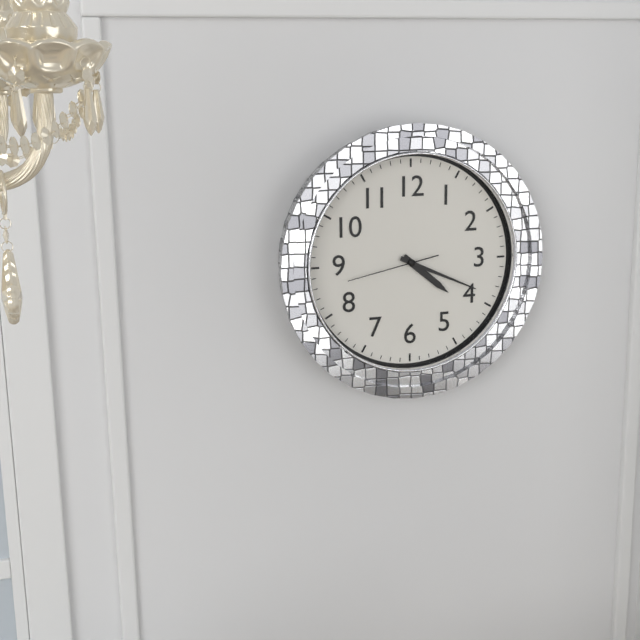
4.19.43
